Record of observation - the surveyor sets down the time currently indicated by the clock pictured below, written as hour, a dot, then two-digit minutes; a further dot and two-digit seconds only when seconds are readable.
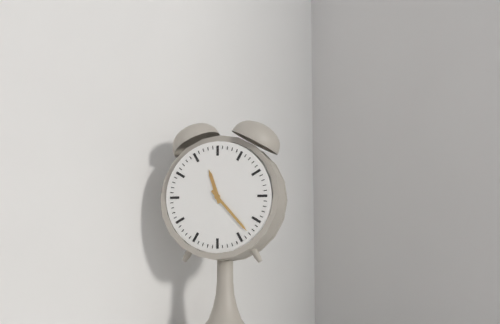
11.23
